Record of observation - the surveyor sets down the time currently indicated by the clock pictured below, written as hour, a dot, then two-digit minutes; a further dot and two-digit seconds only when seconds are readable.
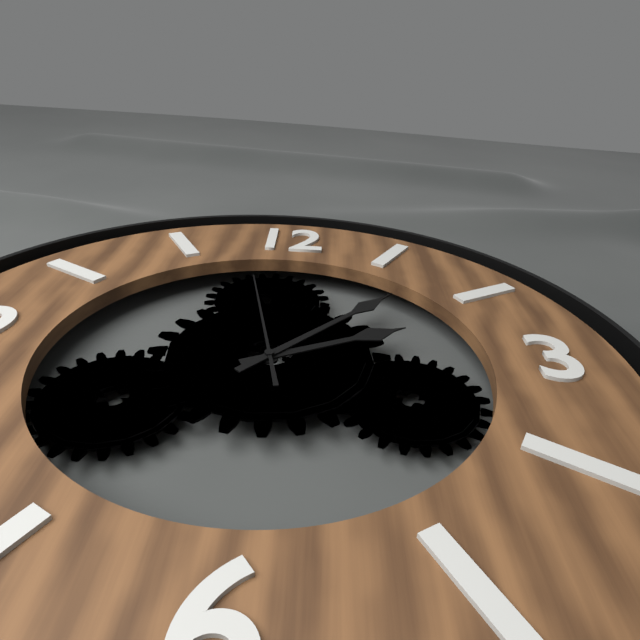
2.07.58
